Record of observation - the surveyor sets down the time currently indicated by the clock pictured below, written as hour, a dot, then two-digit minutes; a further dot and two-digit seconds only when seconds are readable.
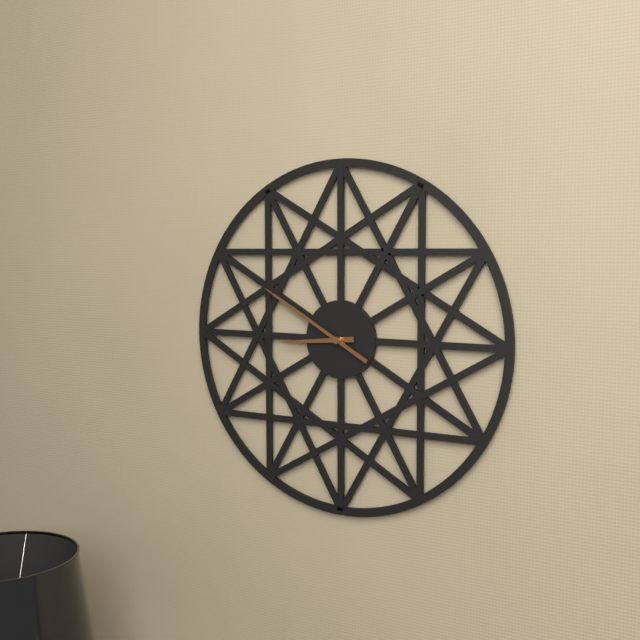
8.50
